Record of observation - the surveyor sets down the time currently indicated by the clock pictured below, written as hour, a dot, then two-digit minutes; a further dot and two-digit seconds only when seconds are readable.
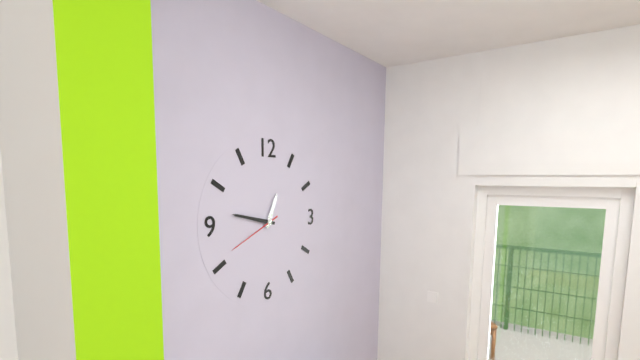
12.47.41
